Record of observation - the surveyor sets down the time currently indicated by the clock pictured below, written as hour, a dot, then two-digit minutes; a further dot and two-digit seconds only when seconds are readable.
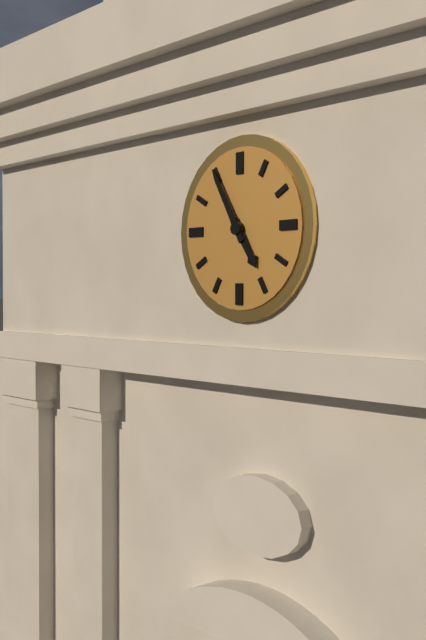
4.55
